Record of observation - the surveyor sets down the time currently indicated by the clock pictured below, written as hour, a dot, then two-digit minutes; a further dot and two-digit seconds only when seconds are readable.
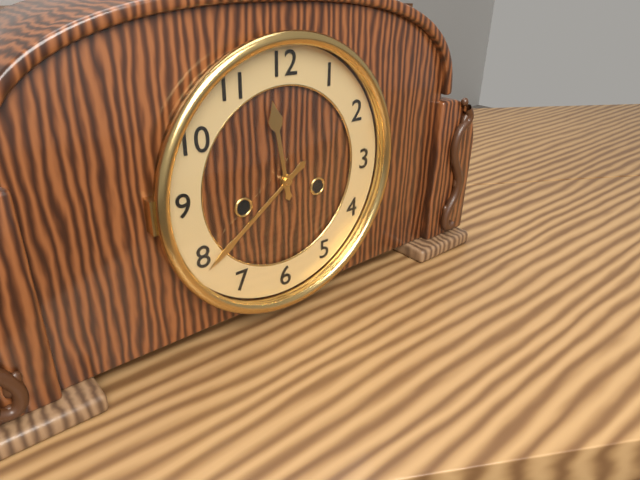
11.39
